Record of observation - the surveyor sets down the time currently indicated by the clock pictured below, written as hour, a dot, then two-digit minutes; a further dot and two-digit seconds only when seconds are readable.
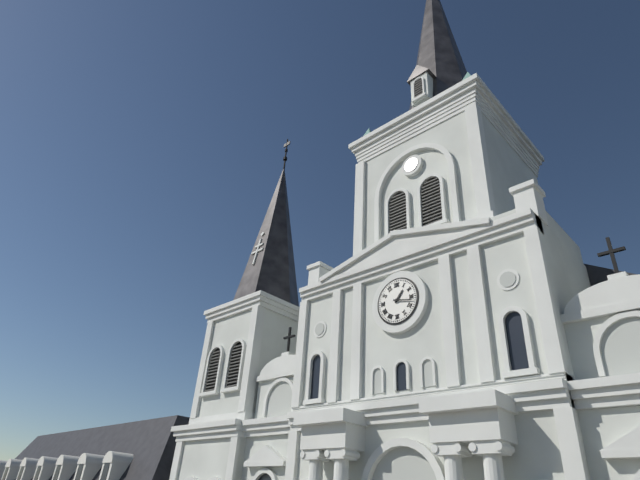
1.17
